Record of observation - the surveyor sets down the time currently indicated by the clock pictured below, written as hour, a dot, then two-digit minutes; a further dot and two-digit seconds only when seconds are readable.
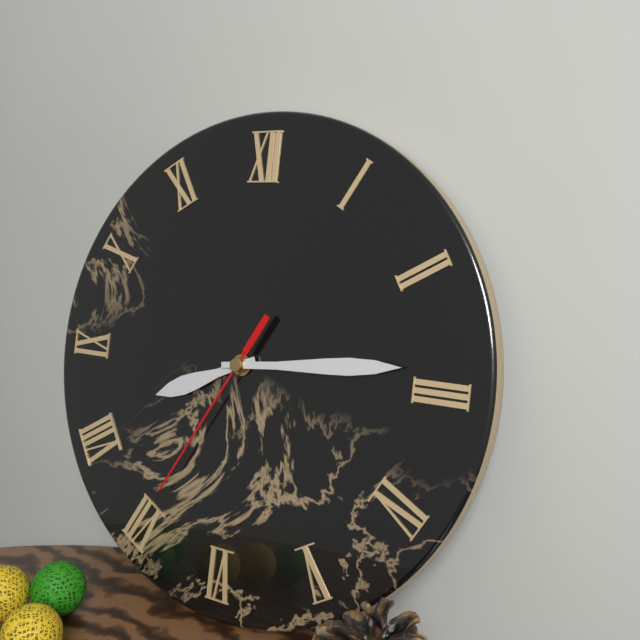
8.14.35
